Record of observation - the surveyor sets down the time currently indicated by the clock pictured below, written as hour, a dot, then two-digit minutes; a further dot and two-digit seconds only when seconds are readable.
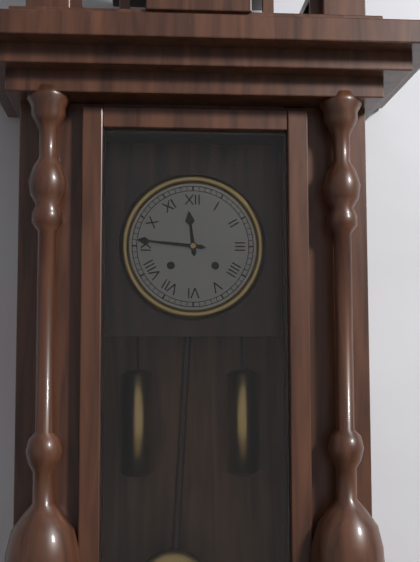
11.46
